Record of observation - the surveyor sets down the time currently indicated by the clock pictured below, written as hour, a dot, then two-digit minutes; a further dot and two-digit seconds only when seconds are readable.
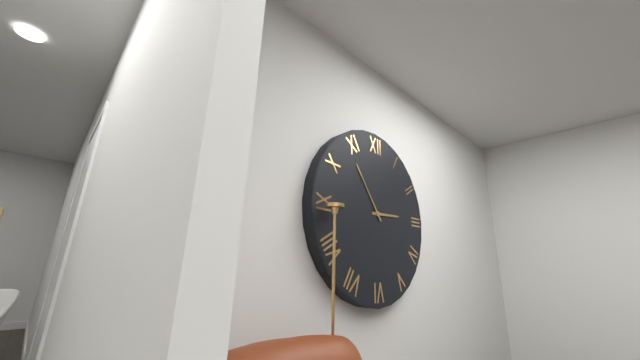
2.54
